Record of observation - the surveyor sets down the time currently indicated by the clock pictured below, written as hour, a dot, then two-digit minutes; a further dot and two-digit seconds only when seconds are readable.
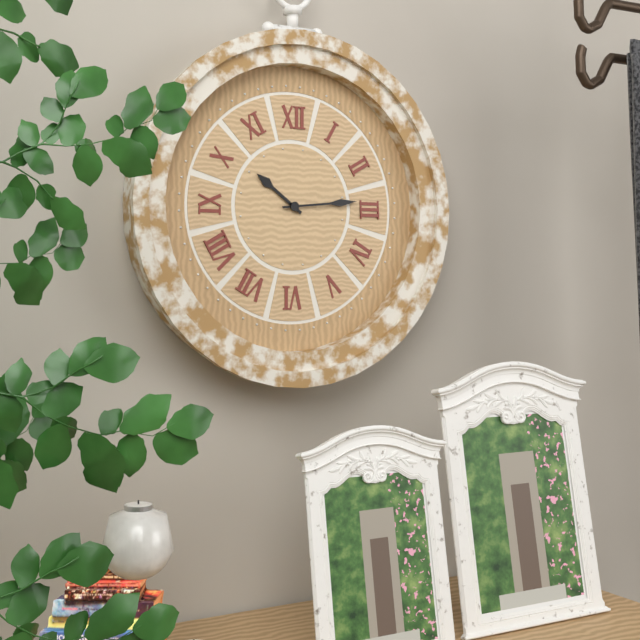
10.14
